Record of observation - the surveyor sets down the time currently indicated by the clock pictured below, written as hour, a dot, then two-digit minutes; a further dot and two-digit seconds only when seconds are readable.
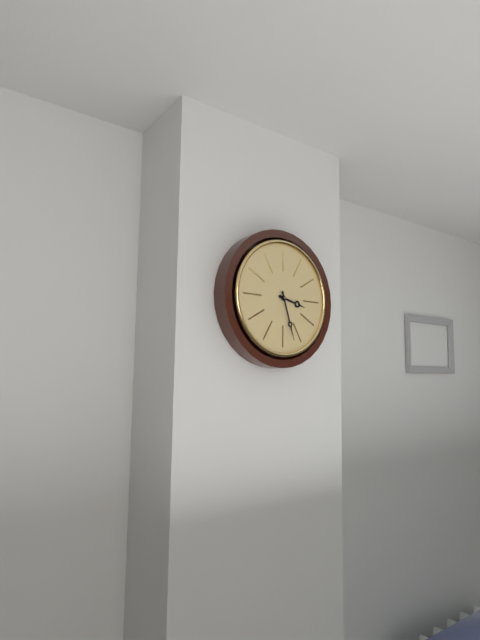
3.27
